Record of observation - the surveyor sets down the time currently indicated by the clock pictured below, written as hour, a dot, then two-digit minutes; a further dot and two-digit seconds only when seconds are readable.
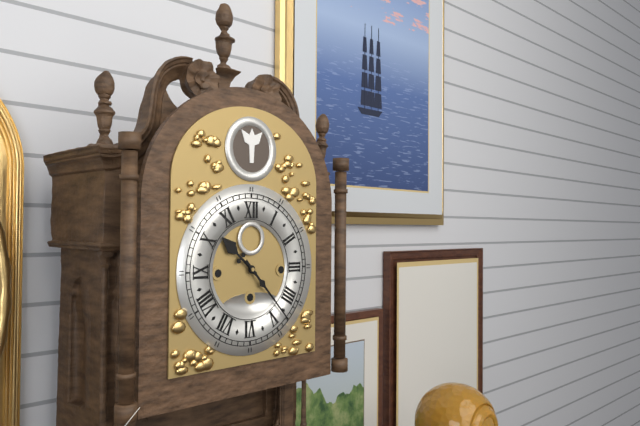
10.23
